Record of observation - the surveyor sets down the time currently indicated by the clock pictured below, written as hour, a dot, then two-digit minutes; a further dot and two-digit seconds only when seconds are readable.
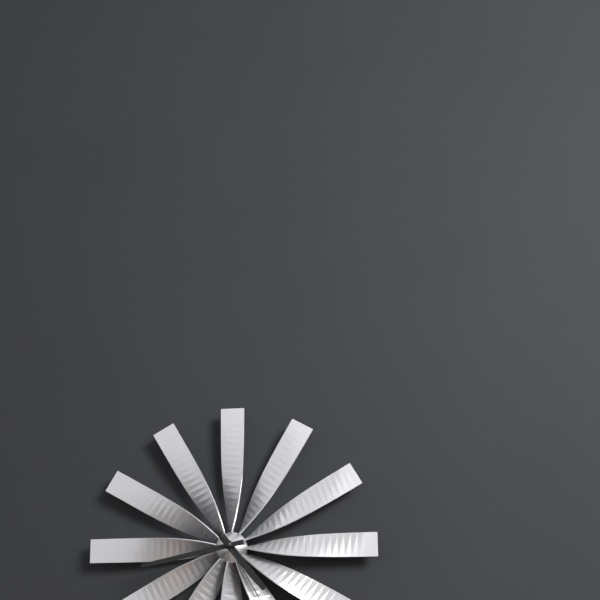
4.43
